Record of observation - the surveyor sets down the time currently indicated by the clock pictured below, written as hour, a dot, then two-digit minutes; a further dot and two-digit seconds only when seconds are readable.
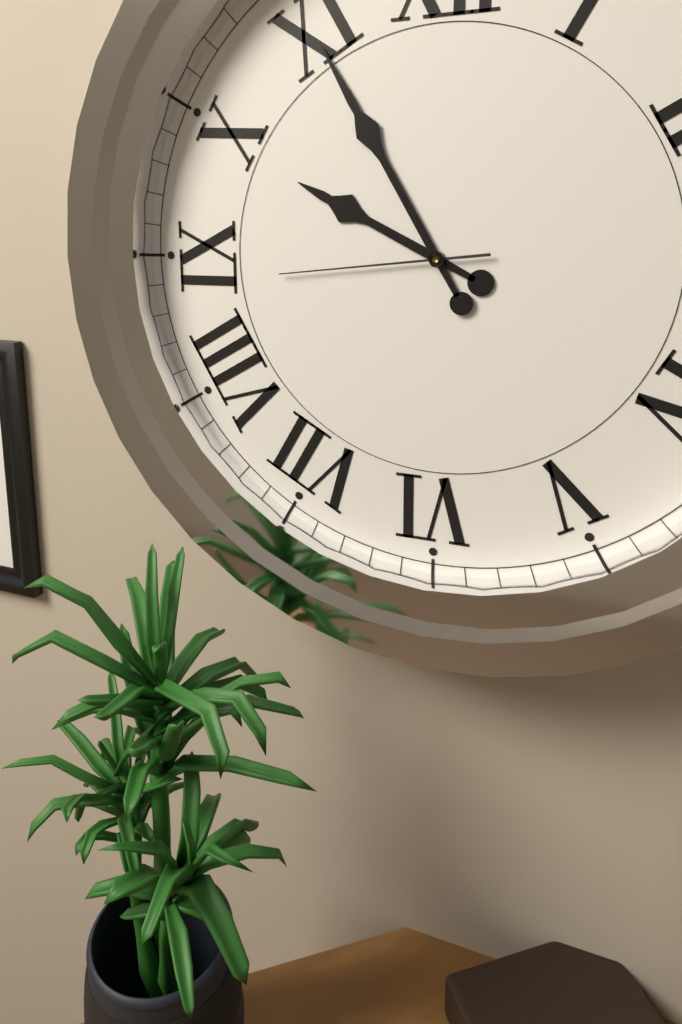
9.55.44
